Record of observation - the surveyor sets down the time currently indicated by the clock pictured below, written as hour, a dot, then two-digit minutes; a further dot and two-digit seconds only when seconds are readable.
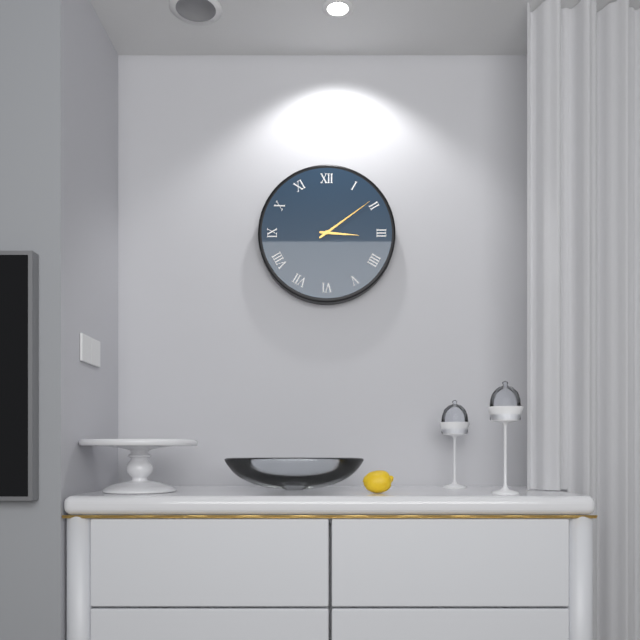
3.09
